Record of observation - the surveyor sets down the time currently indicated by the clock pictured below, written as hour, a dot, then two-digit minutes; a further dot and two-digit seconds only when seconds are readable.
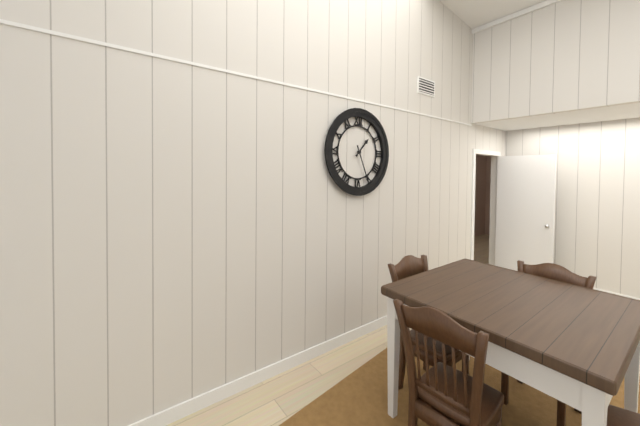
1.26
